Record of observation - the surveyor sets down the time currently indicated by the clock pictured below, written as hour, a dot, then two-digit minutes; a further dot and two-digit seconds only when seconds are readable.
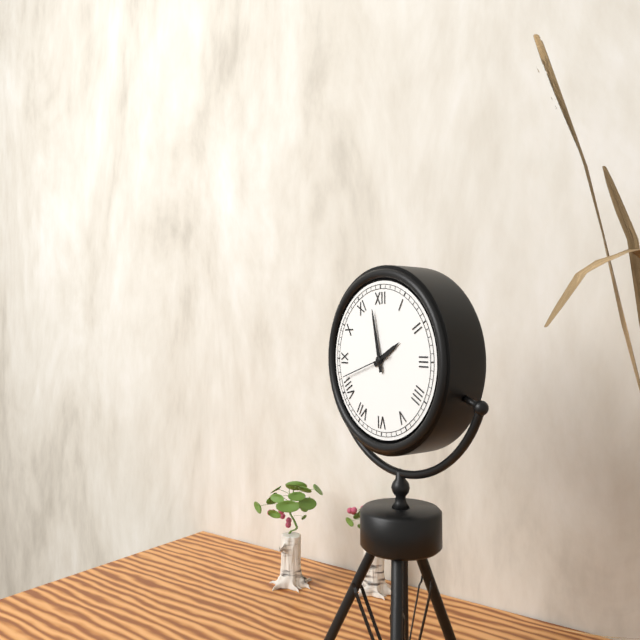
1.58.42
